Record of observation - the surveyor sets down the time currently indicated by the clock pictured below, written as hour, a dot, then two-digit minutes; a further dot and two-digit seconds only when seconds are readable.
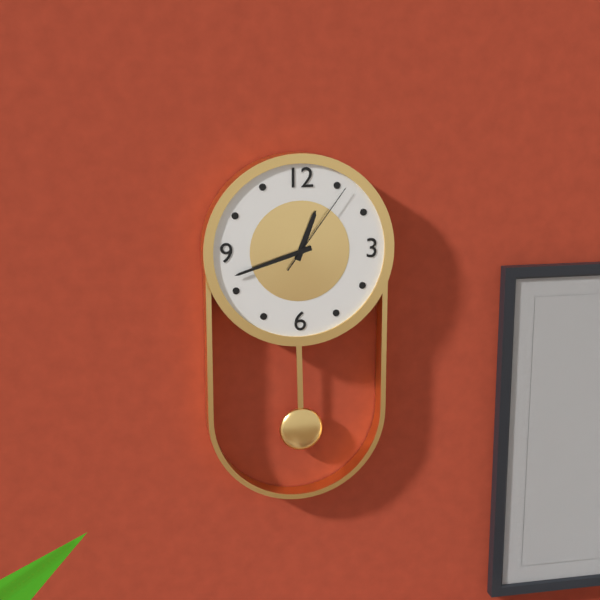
12.42.06
